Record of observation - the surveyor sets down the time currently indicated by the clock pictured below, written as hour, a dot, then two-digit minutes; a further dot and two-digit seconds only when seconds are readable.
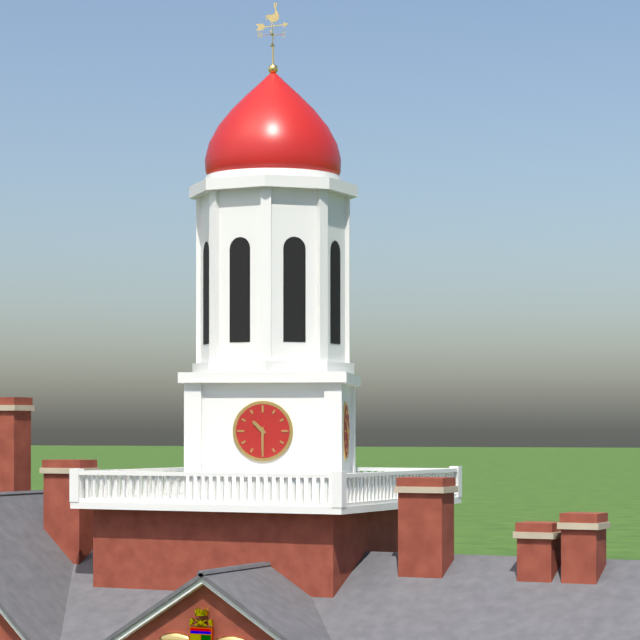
10.30
